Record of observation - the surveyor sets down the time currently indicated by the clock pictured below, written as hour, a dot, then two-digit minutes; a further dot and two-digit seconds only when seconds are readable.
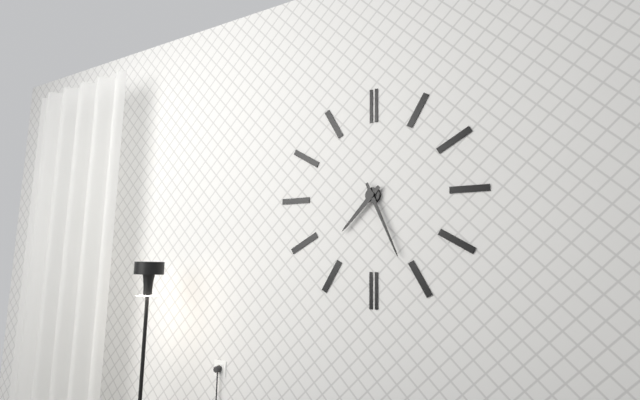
7.26
